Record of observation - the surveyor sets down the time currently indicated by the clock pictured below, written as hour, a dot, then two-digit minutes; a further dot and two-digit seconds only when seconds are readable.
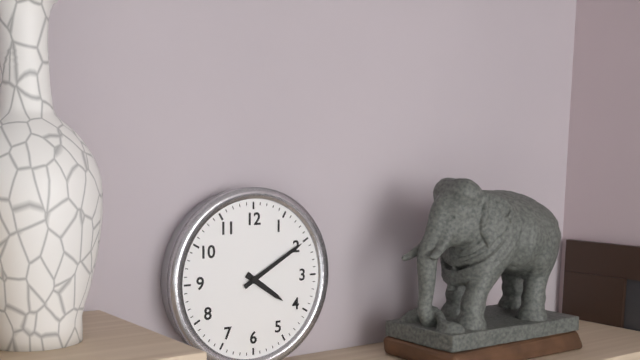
4.10
